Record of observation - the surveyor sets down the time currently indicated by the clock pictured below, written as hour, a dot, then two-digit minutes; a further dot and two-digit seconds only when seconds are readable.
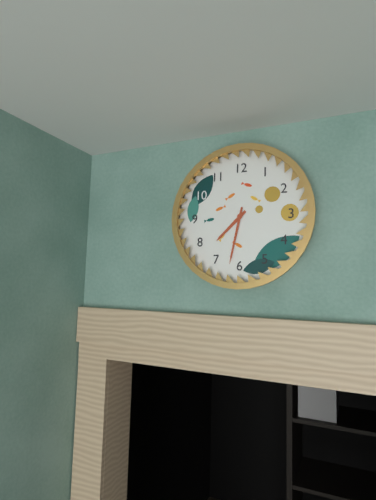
7.32
